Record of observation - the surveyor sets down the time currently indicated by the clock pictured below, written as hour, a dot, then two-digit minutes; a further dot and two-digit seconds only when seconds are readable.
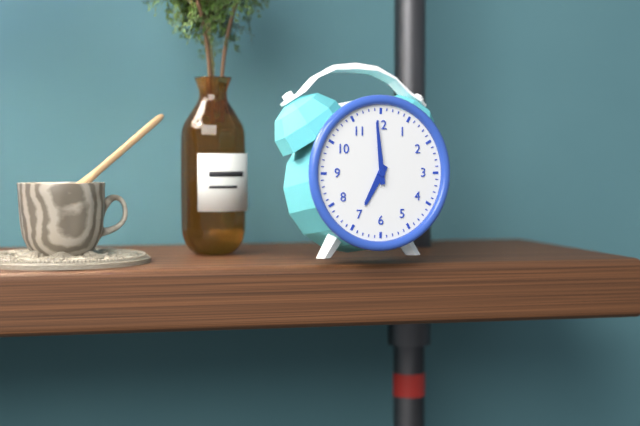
6.59
